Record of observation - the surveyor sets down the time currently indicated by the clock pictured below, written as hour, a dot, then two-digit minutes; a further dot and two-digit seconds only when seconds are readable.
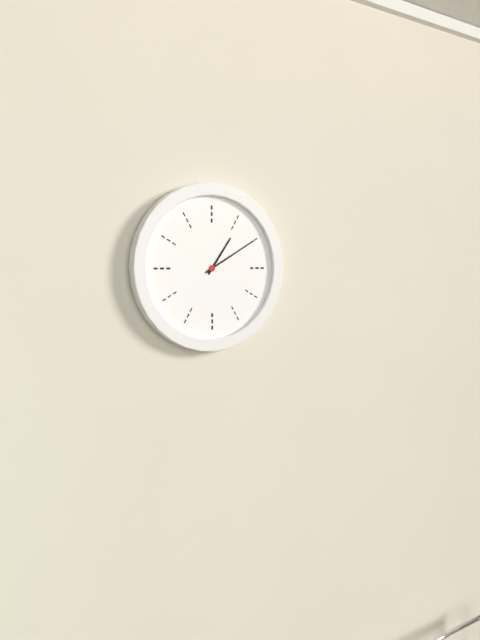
1.10
